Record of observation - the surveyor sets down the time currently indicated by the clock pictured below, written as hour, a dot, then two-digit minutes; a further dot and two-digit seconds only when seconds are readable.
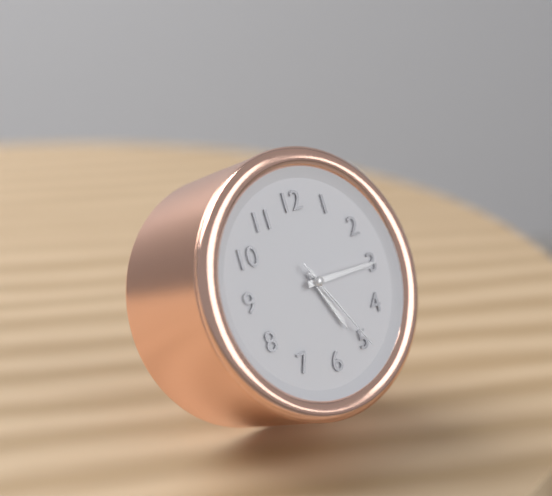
5.15.25
